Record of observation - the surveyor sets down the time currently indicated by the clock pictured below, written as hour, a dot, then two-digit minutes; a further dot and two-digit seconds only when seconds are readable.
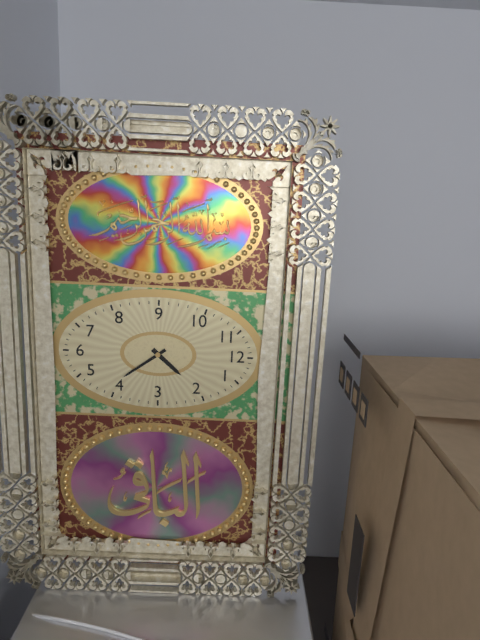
1.24
